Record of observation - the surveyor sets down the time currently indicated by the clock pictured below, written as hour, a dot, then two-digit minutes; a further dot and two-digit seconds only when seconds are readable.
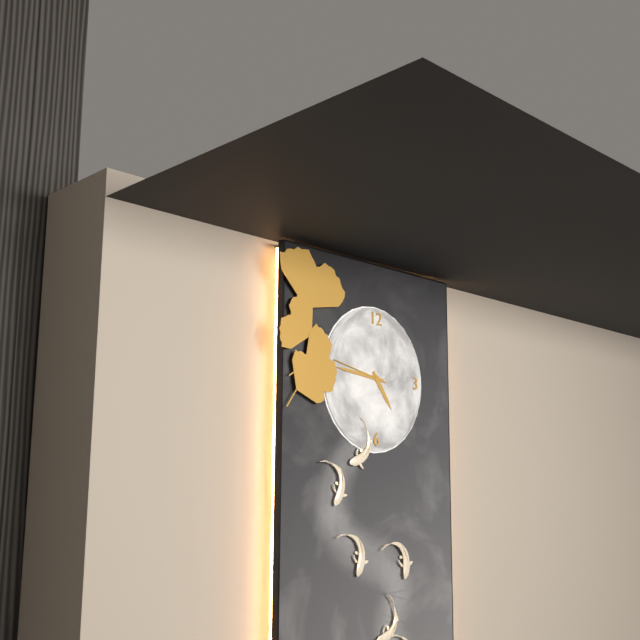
4.46.47
